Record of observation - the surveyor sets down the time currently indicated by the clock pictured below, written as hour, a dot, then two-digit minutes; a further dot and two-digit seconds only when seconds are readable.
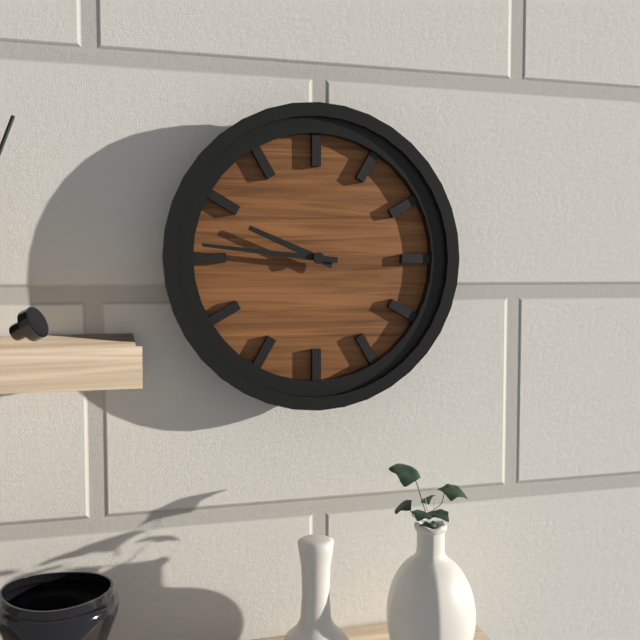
9.46
